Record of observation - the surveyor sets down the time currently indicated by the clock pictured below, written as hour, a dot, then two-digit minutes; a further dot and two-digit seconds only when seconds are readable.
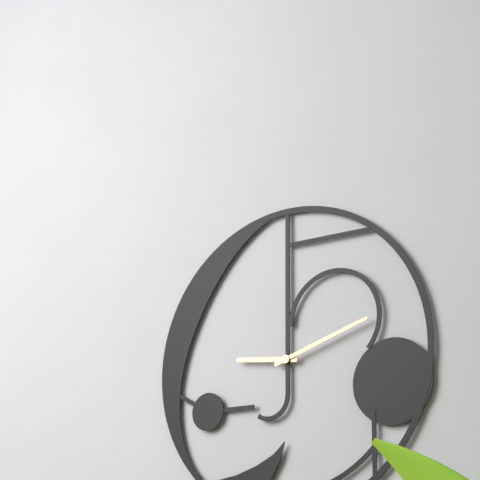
9.12
